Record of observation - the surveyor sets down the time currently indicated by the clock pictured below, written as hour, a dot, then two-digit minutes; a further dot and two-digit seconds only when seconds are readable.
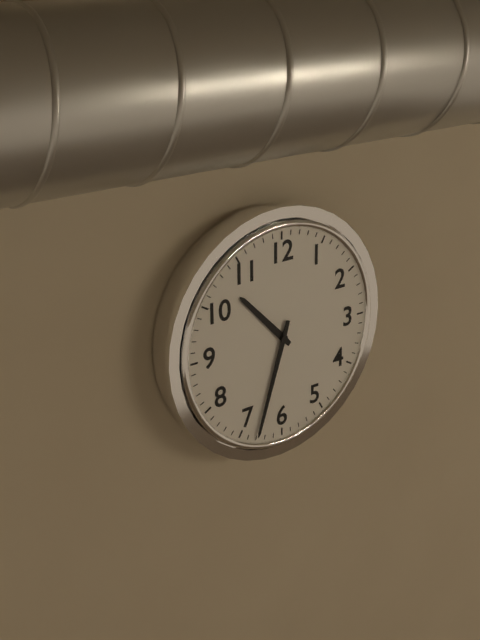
10.33
